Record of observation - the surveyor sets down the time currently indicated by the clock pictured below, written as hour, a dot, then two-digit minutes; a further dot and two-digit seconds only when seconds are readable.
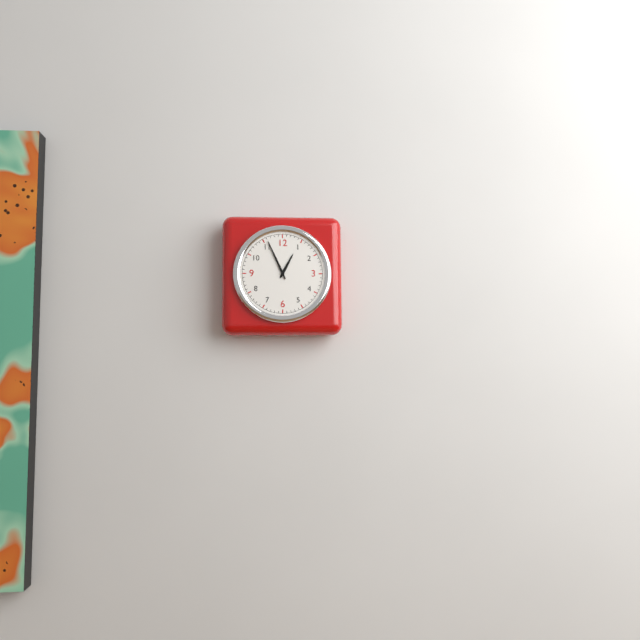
12.56
